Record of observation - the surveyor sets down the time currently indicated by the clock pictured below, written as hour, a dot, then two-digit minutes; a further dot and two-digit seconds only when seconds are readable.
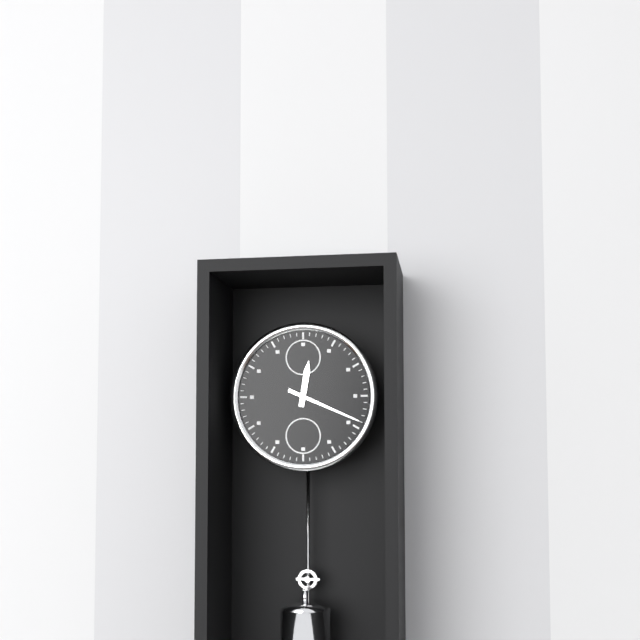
12.19
